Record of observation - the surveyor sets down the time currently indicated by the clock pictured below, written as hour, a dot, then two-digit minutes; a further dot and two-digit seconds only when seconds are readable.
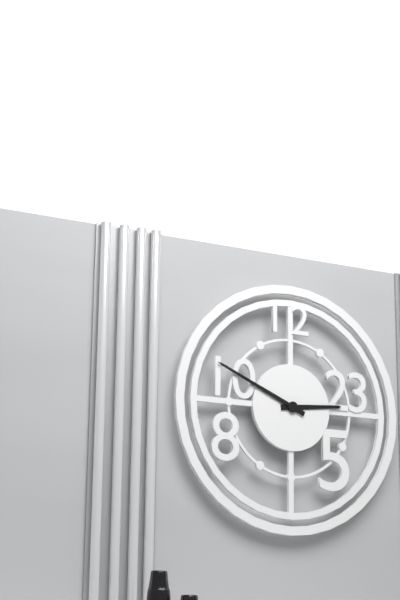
2.49
